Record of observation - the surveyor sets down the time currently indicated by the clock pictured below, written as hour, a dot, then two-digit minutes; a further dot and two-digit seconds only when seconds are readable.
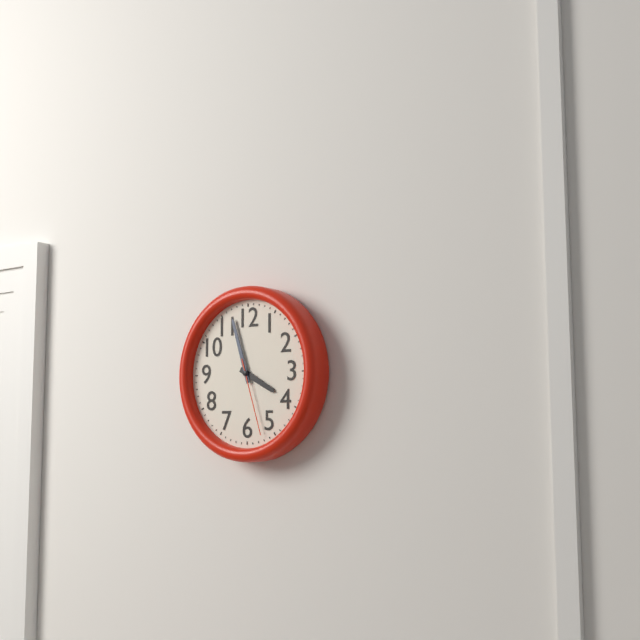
3.57.27
